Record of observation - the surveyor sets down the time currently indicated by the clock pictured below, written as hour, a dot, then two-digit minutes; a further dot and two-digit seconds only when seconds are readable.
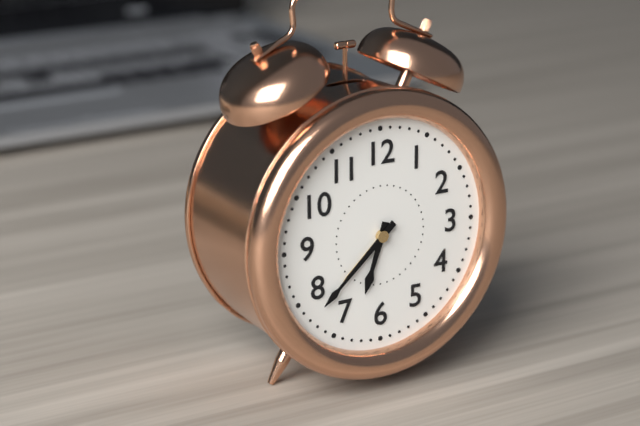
6.38
